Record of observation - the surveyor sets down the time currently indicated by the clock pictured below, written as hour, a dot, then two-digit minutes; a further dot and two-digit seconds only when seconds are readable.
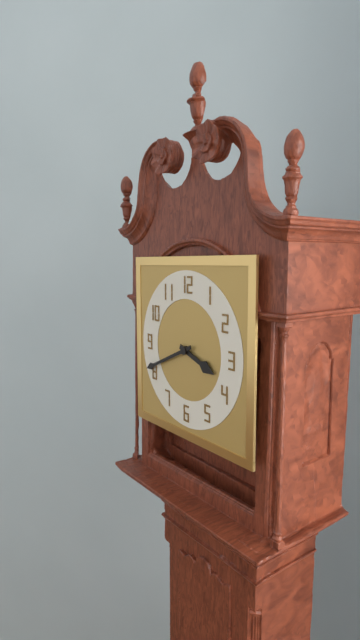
3.41
